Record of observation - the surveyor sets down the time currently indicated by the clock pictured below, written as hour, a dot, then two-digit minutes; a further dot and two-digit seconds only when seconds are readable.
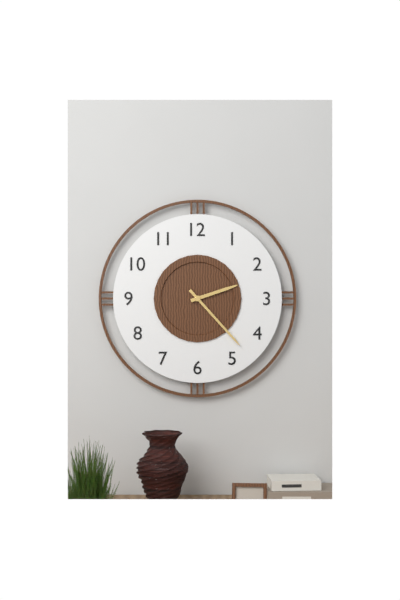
2.23
